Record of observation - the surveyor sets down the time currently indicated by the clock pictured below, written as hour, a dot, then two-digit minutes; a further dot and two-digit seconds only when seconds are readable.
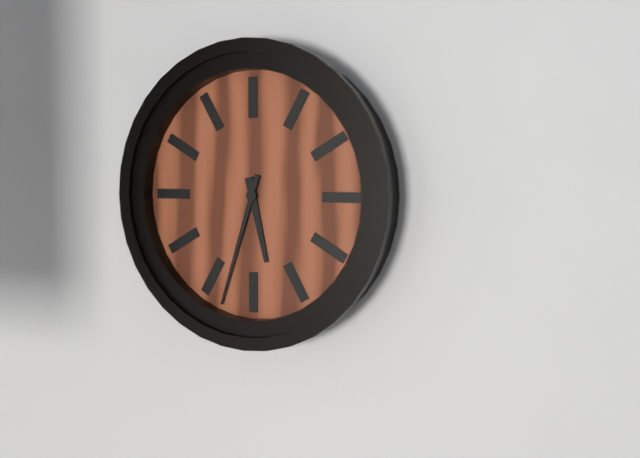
5.33
